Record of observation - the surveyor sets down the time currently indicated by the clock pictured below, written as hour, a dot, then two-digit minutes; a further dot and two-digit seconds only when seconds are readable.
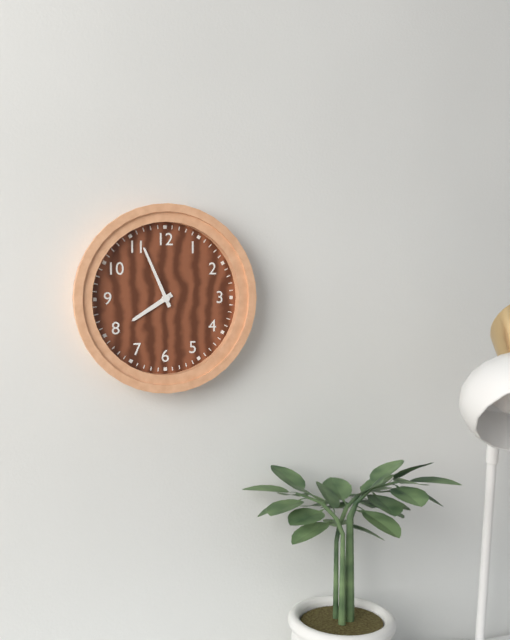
7.56
